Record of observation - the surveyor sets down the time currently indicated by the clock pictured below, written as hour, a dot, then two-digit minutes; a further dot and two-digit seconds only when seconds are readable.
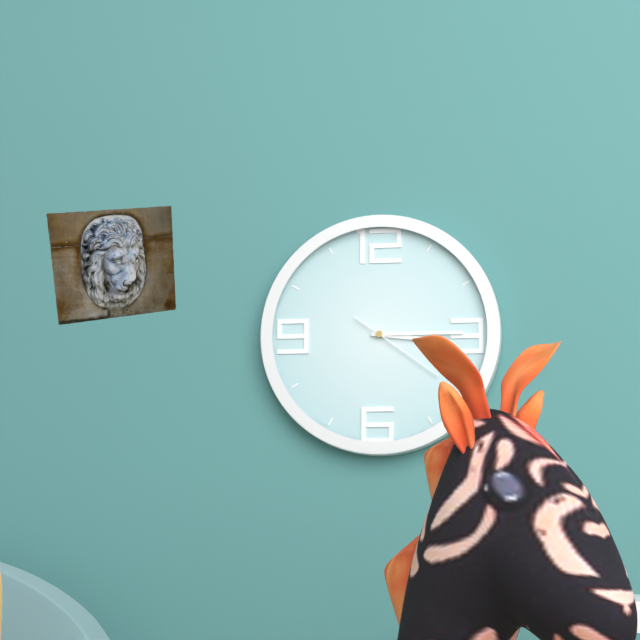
3.15.21
